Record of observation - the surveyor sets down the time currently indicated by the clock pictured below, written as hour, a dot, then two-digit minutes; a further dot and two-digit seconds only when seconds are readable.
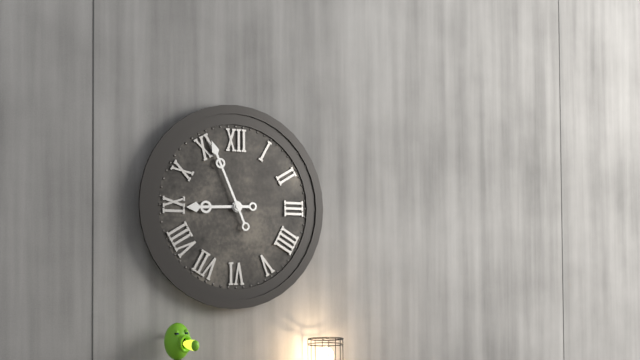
8.56
